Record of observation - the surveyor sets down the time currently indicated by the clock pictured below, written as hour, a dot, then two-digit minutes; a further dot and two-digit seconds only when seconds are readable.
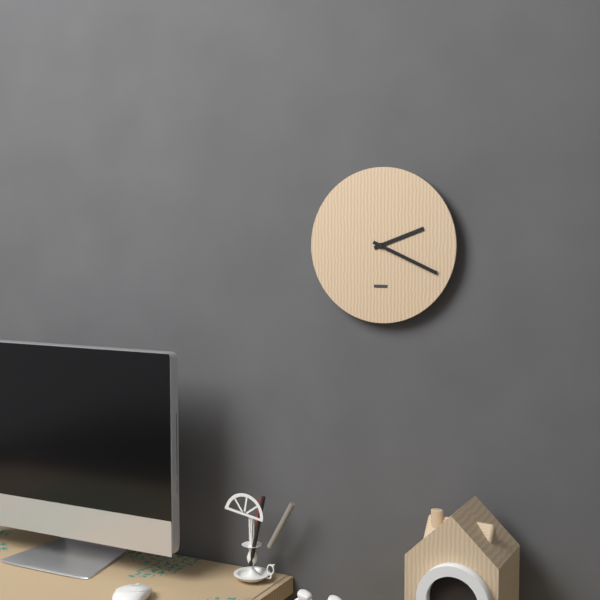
2.19
